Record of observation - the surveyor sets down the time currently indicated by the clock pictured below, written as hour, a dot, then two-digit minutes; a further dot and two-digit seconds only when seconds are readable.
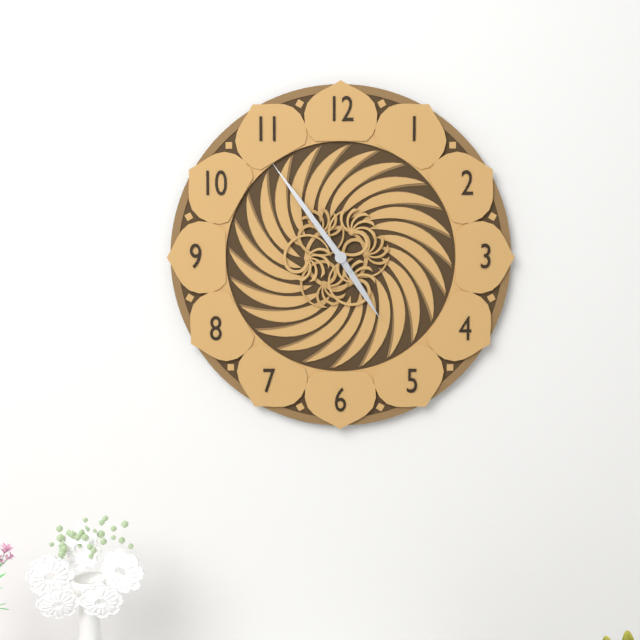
4.54
